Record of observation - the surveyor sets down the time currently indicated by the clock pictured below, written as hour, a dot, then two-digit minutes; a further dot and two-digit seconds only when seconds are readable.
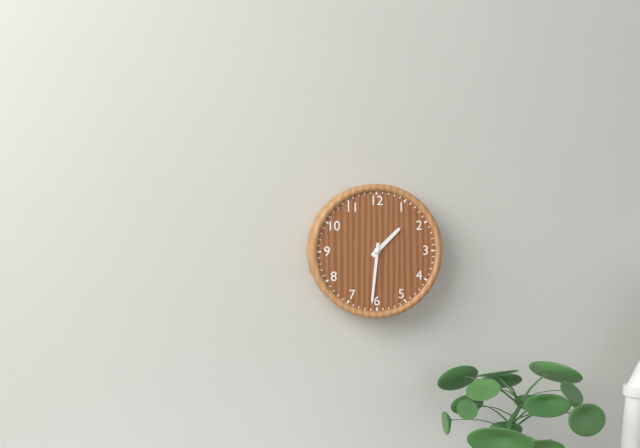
1.31
